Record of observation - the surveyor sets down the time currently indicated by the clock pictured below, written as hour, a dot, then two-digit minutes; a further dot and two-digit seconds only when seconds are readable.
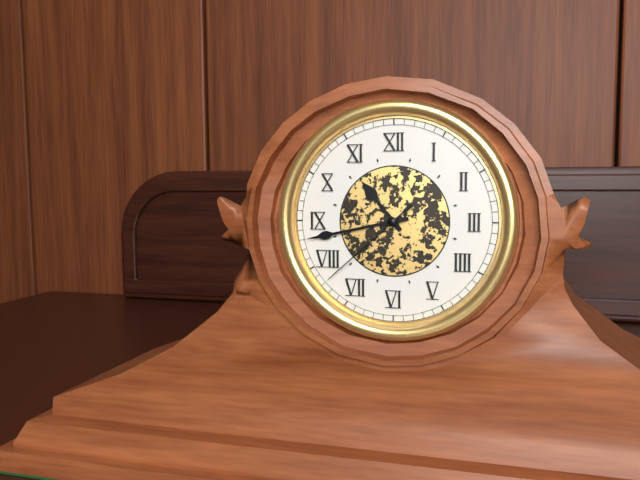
10.43.38
